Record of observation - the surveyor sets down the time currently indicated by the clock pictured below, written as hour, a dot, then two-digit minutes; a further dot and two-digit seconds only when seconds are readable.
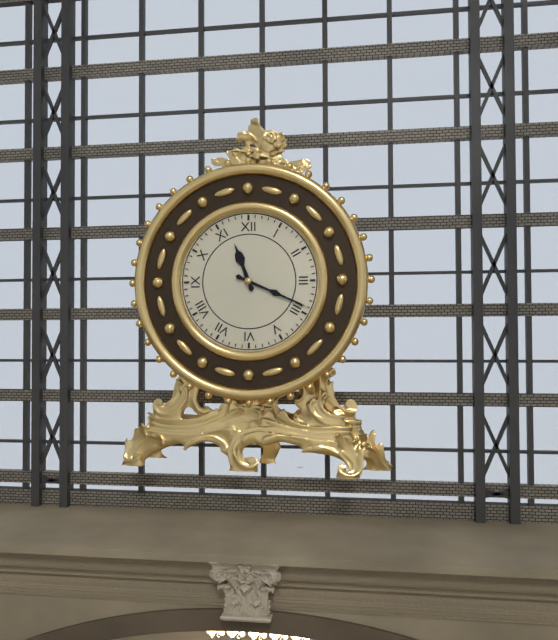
11.19
